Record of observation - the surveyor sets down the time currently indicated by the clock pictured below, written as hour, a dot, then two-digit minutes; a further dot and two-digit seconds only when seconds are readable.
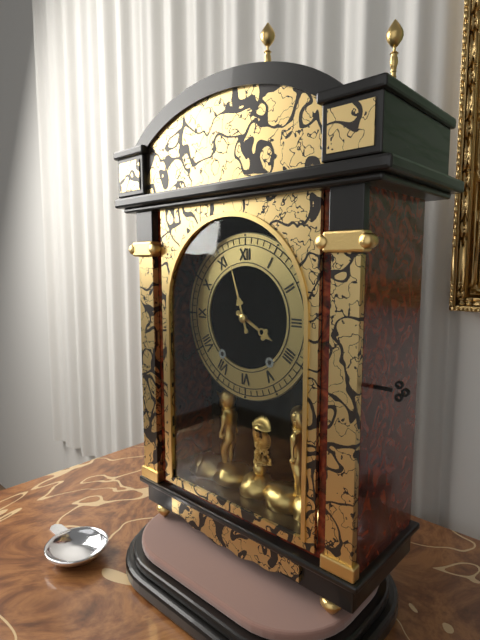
3.57
